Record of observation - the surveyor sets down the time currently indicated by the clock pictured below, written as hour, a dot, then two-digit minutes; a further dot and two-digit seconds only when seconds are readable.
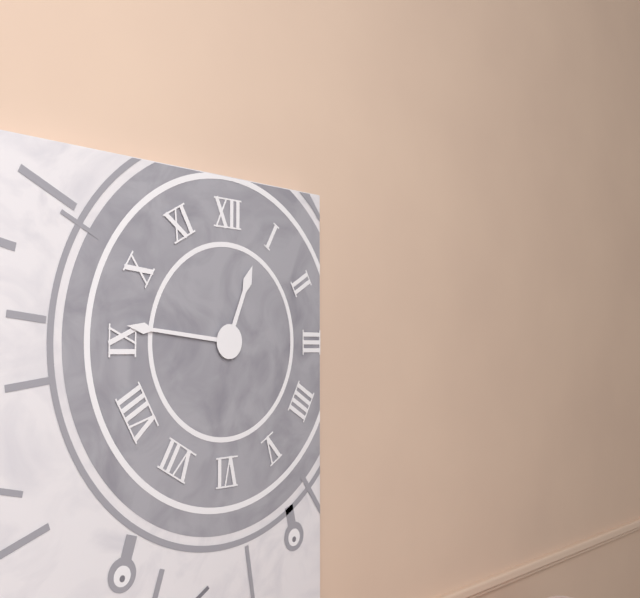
12.46
